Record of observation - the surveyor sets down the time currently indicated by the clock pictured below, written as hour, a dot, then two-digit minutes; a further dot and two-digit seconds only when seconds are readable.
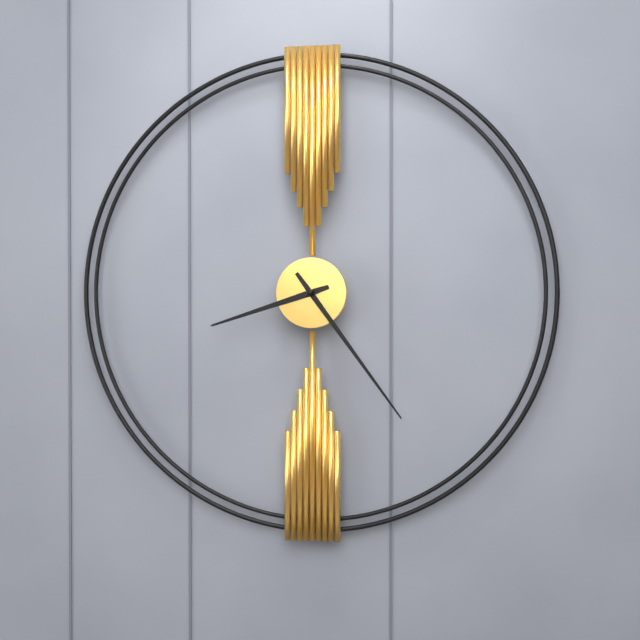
8.24
